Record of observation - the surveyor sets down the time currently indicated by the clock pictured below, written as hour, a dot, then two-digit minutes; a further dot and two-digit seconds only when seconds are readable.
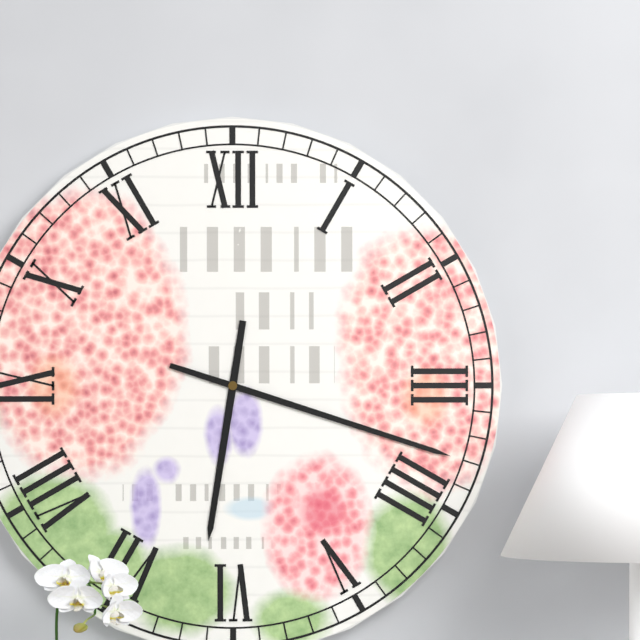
6.18
